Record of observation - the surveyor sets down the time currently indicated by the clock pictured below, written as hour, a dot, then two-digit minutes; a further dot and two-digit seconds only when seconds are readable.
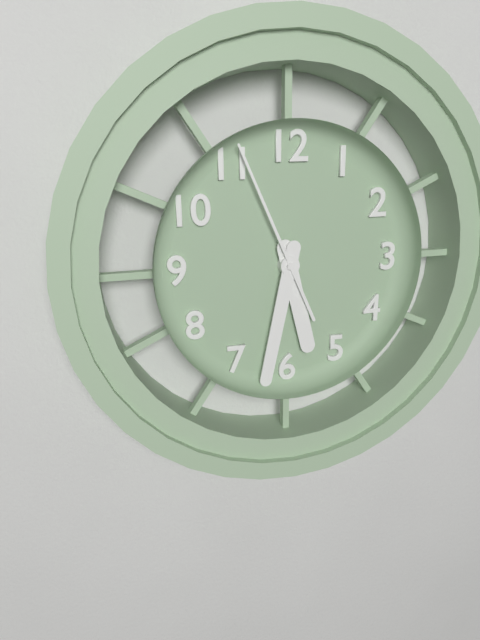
5.32.56
